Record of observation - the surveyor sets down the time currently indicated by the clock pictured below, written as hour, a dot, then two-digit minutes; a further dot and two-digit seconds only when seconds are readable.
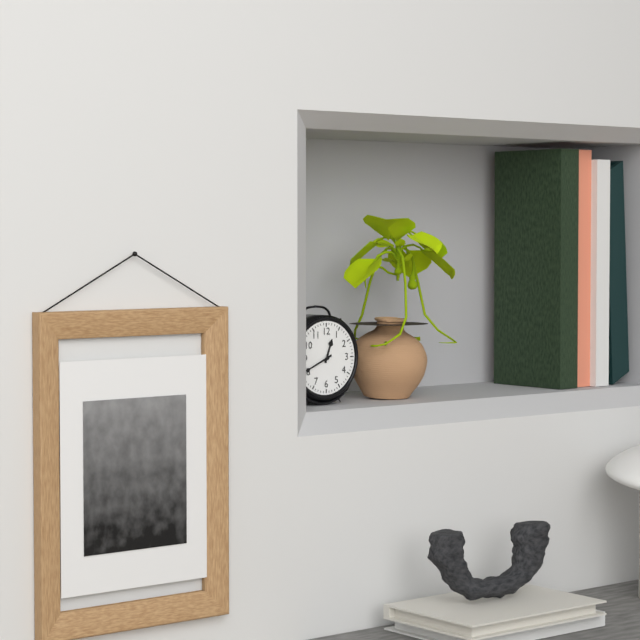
12.41
